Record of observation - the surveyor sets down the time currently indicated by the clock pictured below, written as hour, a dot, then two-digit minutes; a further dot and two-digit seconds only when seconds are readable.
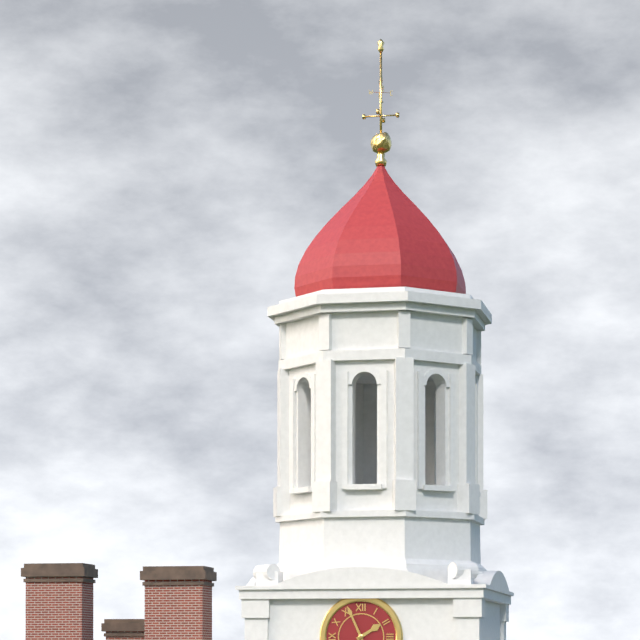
1.56
